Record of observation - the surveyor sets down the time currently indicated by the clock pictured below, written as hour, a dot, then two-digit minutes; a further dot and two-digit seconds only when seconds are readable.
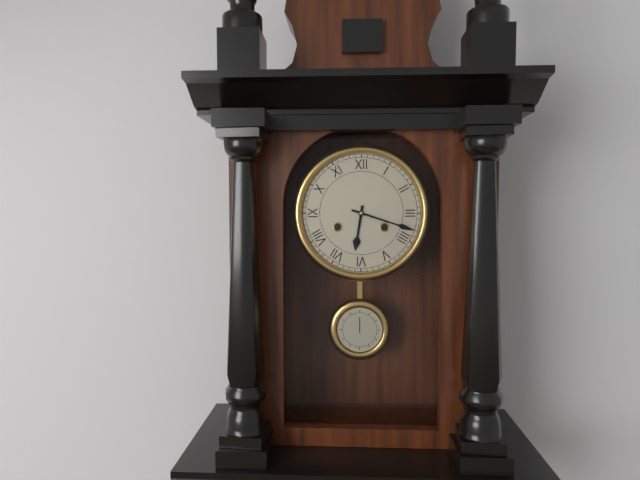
6.18
